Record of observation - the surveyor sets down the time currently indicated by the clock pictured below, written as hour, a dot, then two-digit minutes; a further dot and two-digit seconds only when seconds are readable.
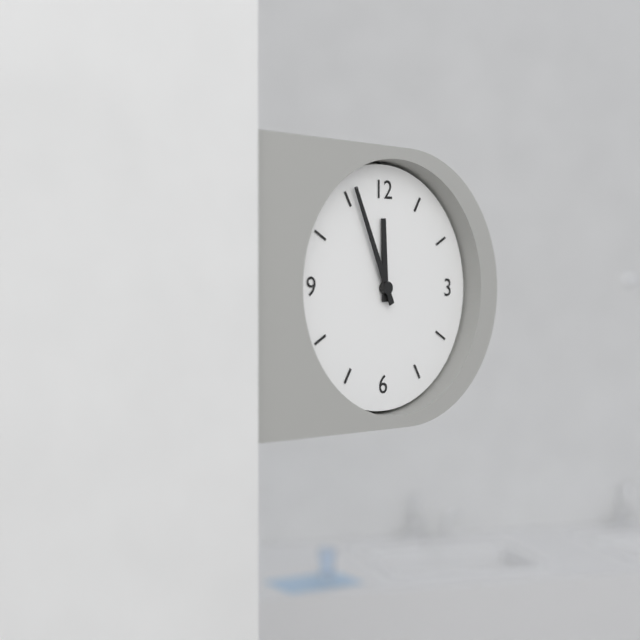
11.56
